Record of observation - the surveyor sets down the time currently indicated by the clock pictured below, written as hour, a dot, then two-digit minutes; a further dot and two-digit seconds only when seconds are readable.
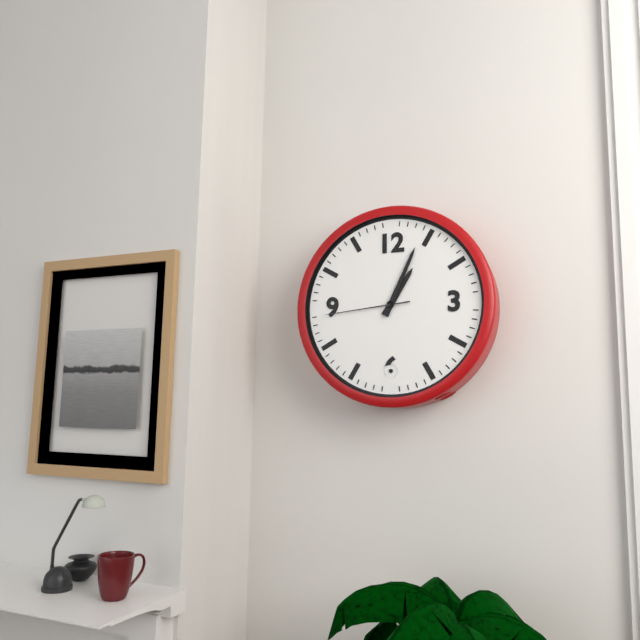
1.04.44
